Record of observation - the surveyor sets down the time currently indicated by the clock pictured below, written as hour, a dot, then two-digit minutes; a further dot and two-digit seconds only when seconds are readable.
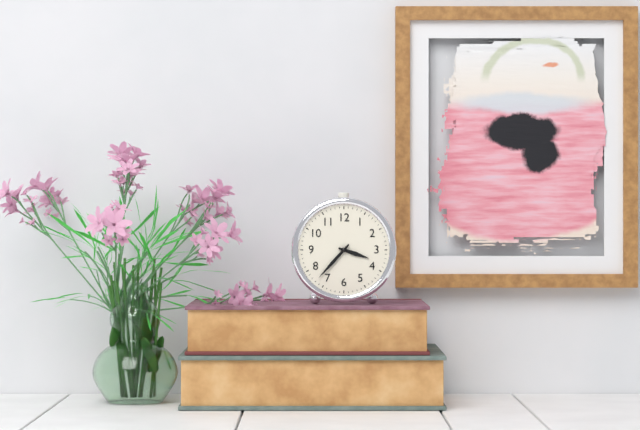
3.37
